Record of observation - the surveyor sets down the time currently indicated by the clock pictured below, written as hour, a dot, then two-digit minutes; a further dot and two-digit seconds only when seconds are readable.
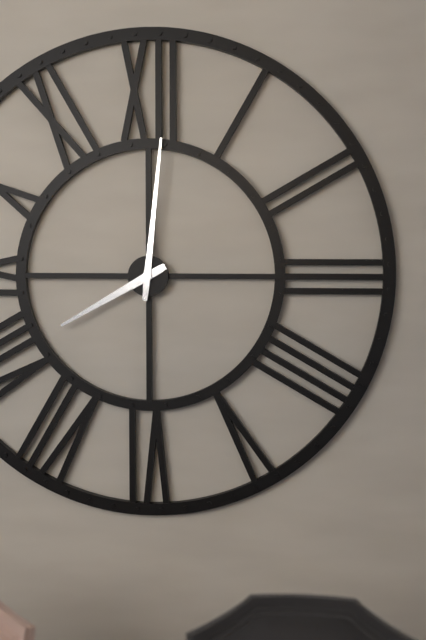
8.01
